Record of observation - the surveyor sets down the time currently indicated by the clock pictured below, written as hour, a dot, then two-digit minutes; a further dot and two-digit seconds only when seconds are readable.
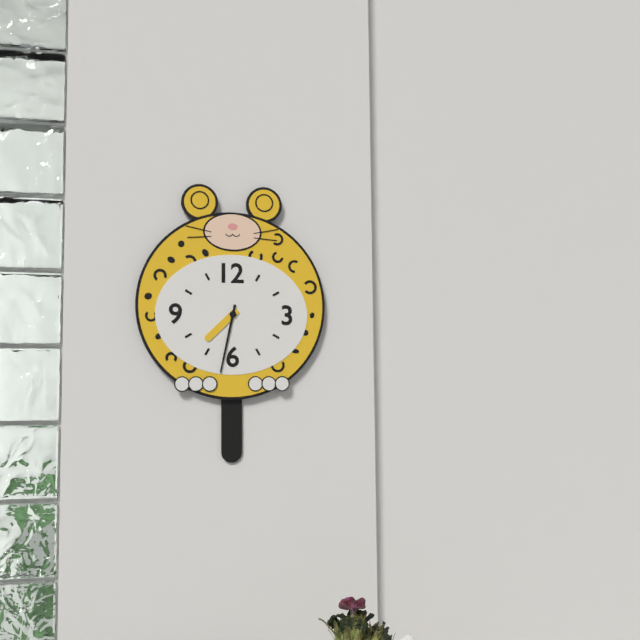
7.32
